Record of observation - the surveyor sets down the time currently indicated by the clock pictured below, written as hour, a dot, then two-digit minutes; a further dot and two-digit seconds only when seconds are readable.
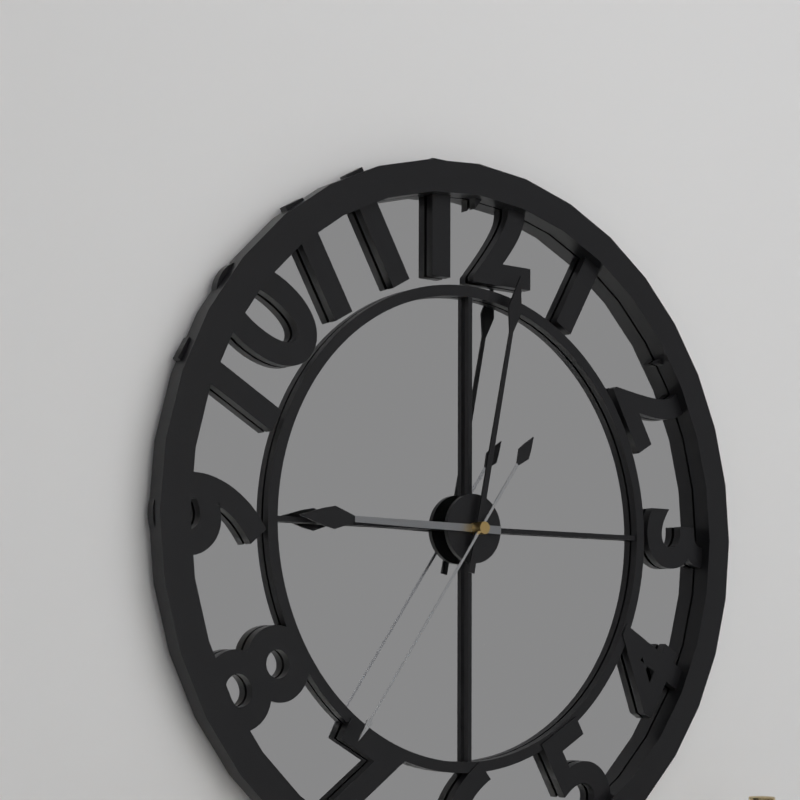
9.02.36
